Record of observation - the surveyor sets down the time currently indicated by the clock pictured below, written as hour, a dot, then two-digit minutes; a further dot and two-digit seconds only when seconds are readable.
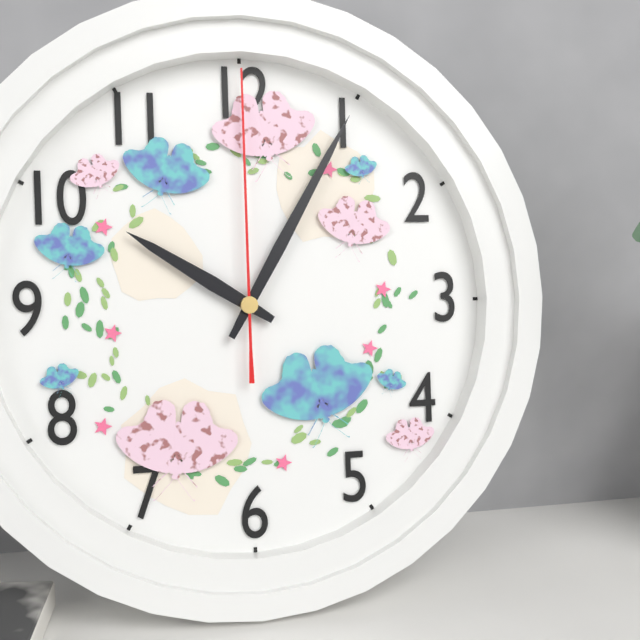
10.05.00
